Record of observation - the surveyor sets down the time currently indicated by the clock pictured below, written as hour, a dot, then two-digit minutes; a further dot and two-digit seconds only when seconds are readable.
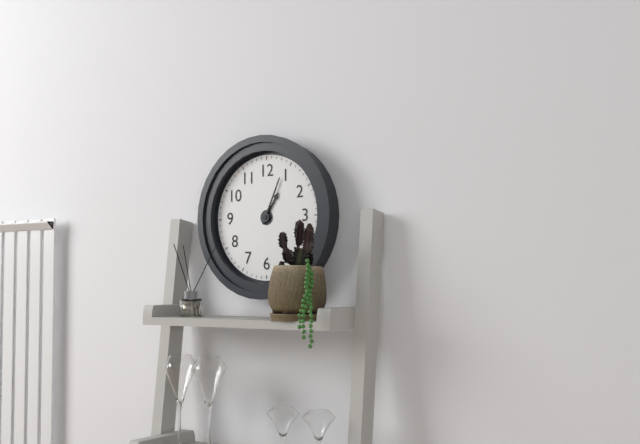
1.04
